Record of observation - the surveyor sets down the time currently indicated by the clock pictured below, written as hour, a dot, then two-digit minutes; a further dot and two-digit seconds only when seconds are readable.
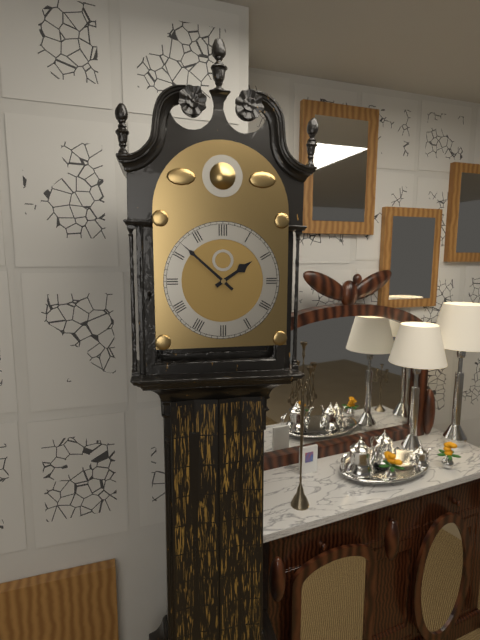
1.52
